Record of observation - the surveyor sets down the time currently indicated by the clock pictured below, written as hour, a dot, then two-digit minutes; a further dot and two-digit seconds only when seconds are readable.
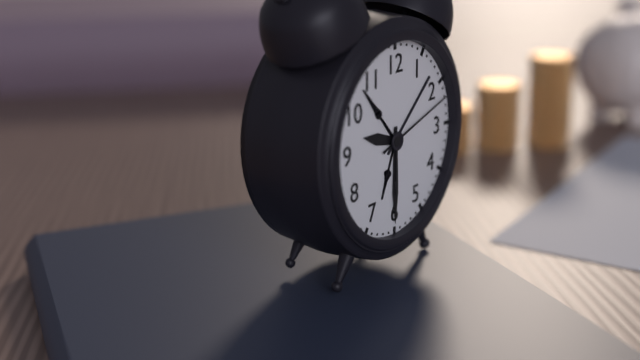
9.30.12
